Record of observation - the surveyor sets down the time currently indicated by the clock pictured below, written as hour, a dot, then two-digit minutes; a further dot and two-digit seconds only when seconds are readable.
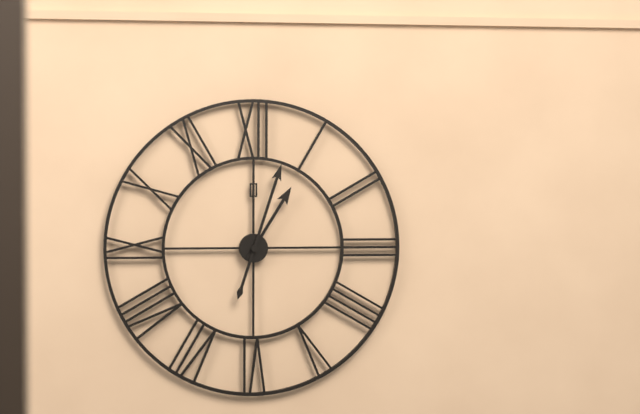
1.03
